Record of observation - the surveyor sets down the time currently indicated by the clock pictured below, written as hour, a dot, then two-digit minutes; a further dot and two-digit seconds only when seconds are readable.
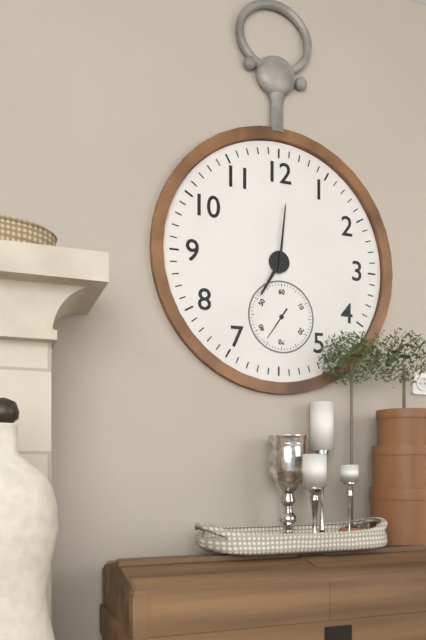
7.01
